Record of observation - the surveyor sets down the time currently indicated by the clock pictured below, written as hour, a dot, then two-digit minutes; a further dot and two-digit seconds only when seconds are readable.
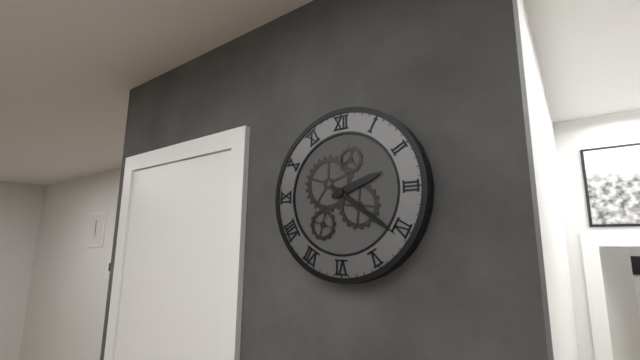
2.21
